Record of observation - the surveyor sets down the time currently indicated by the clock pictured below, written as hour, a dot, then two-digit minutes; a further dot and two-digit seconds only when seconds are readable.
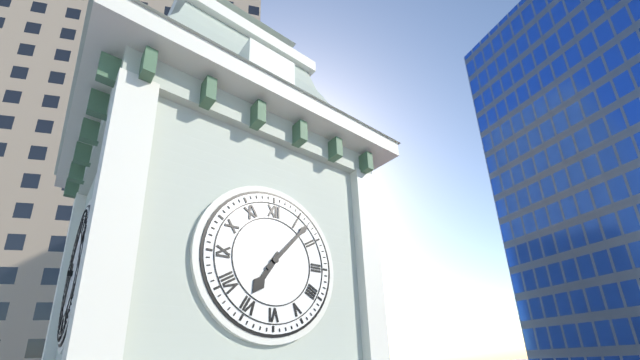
7.07
